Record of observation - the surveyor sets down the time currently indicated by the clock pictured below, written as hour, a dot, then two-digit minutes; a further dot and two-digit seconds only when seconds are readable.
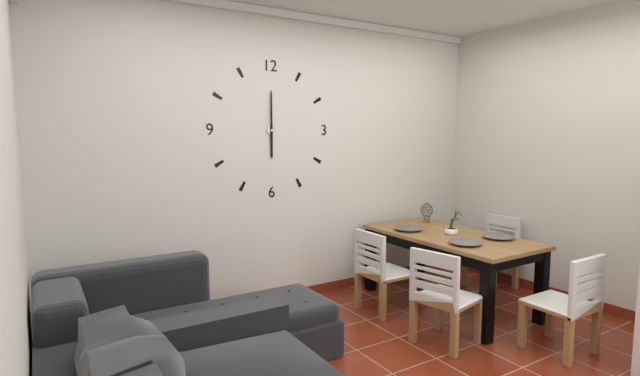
6.00
